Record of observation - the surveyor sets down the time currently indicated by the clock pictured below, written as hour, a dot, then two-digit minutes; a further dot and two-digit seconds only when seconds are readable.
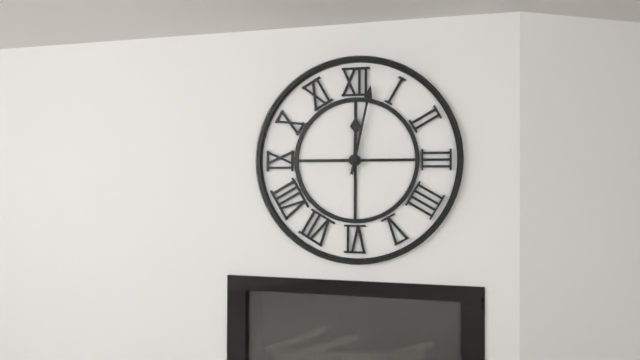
12.02
